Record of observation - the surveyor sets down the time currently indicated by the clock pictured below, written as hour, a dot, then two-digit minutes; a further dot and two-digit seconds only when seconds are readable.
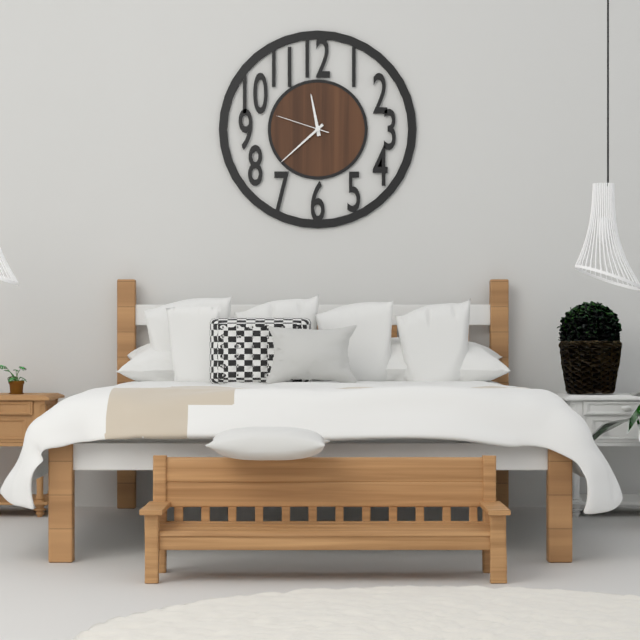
11.38.48
